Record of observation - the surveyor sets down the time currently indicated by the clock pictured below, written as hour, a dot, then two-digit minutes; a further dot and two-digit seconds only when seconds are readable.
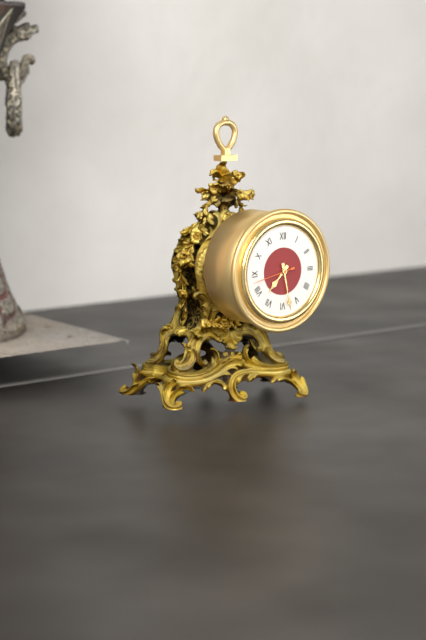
7.28
